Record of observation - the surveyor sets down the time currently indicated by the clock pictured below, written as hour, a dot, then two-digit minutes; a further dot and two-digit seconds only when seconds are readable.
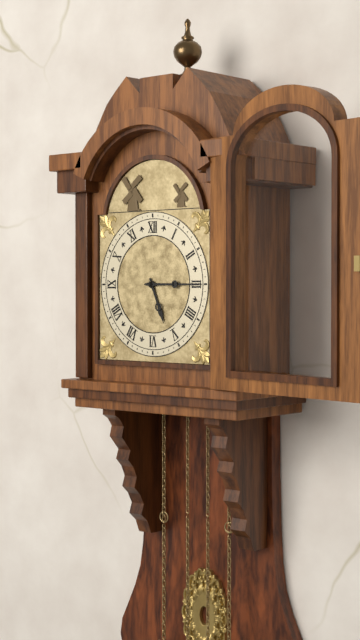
5.15
